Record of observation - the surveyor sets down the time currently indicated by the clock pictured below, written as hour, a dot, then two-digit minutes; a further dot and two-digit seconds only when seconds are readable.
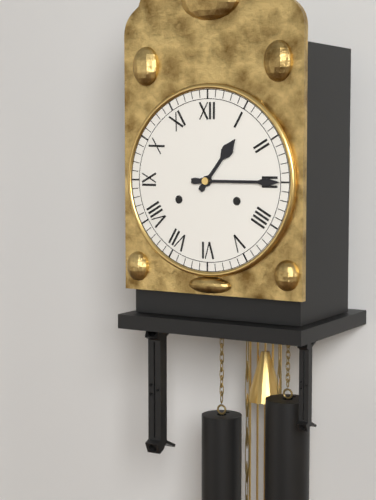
1.15
